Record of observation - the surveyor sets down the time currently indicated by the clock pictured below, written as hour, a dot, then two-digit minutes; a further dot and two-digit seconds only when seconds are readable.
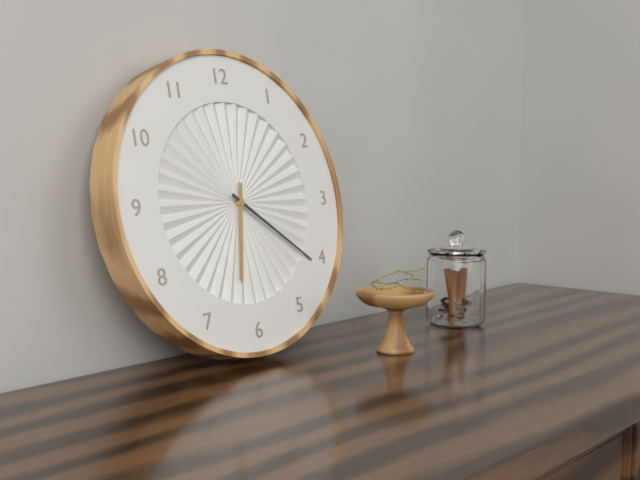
6.21
